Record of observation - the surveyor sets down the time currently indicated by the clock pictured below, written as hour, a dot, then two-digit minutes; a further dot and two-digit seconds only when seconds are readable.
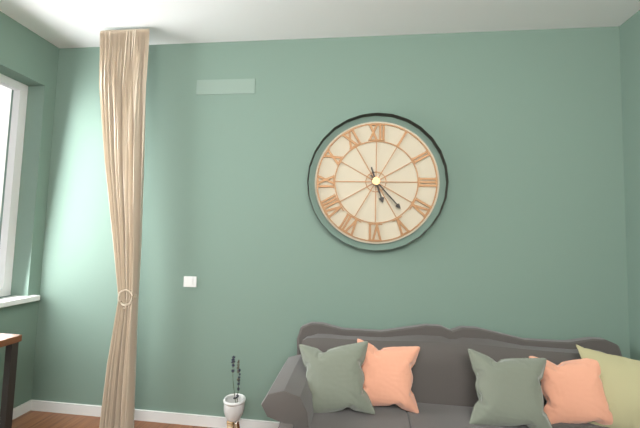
5.23
